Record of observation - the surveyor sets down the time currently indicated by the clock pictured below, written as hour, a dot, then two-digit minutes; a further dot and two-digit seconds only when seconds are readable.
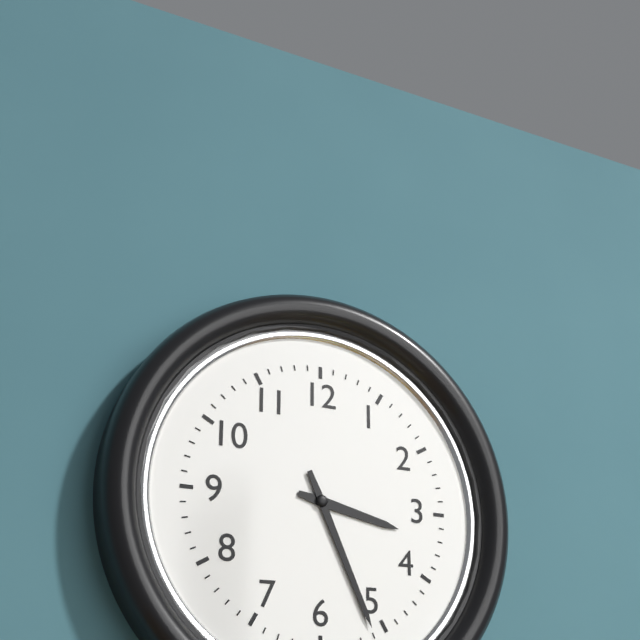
3.26
